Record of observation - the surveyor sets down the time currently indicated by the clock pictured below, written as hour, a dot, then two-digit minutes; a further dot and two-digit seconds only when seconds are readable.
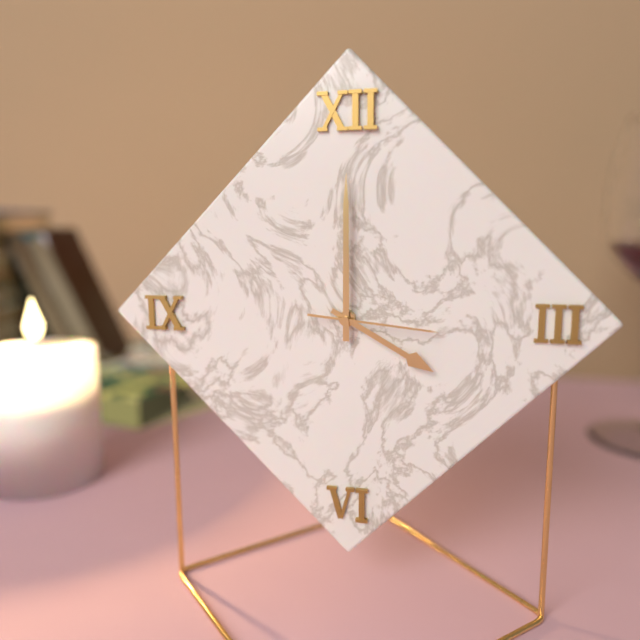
4.00.16
